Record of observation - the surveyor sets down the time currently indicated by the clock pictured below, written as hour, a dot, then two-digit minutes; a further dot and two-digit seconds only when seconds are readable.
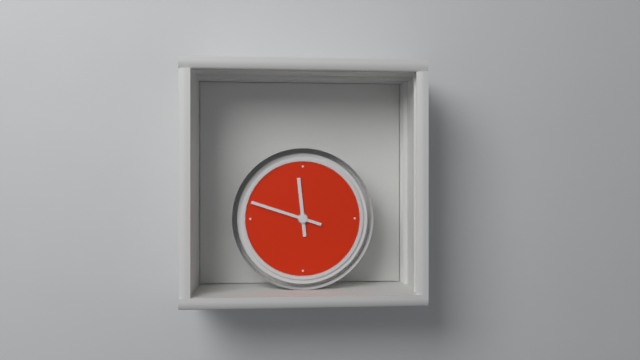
11.48
